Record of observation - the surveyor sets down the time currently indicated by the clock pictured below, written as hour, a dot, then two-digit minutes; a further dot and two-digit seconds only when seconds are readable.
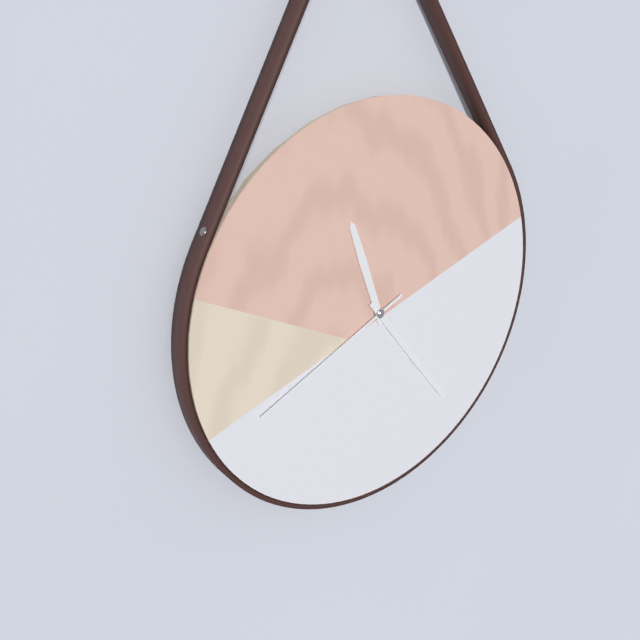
11.24.41
